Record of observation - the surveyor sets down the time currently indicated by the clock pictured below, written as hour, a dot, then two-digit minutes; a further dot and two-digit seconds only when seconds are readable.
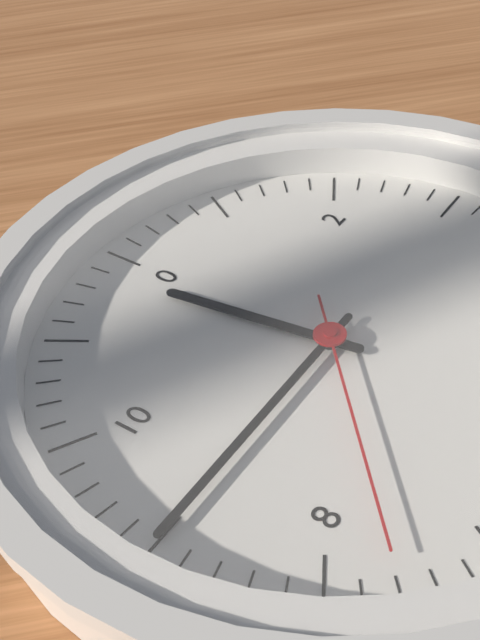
11.45.38
